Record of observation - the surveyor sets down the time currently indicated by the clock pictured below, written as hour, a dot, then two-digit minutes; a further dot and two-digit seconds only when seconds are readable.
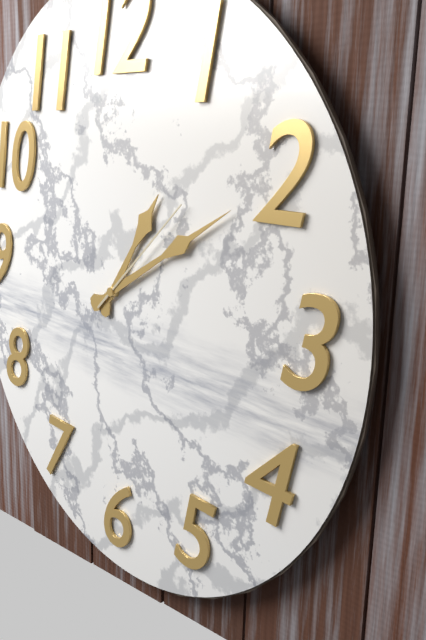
1.10.08
